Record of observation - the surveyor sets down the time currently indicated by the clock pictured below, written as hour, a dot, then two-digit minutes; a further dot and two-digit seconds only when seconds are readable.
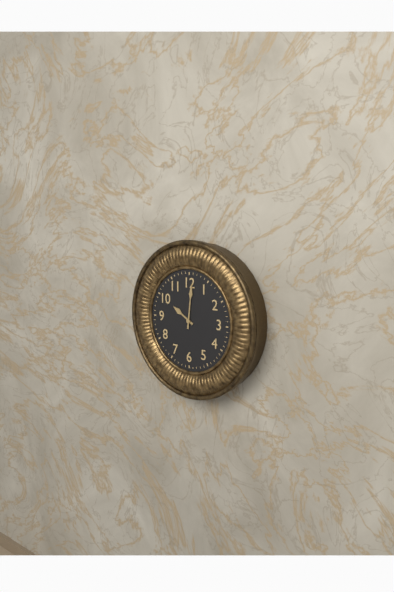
10.01
